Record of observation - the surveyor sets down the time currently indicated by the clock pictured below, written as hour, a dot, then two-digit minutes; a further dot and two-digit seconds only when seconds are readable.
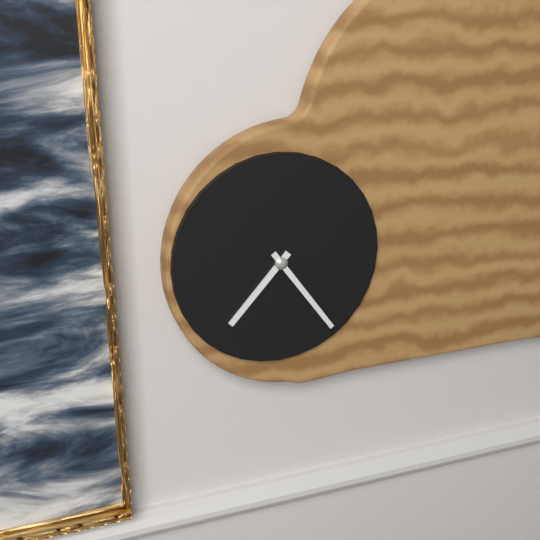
7.24
